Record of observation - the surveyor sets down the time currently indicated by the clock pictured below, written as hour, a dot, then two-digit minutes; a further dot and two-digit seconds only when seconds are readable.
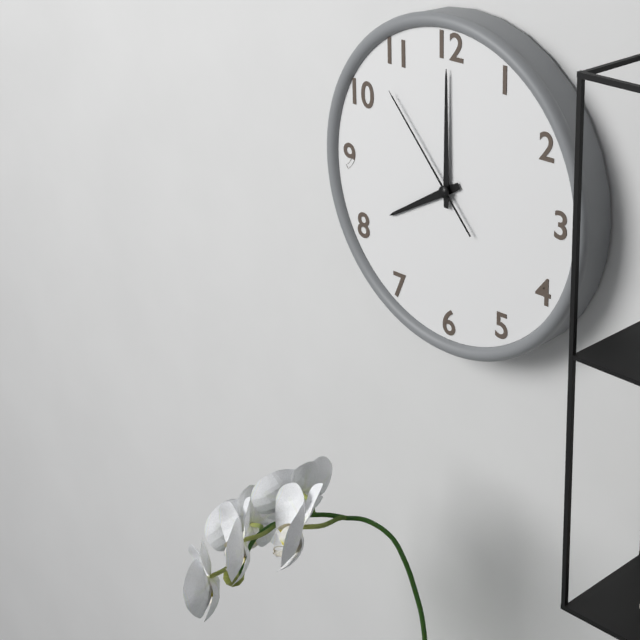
8.00.53
